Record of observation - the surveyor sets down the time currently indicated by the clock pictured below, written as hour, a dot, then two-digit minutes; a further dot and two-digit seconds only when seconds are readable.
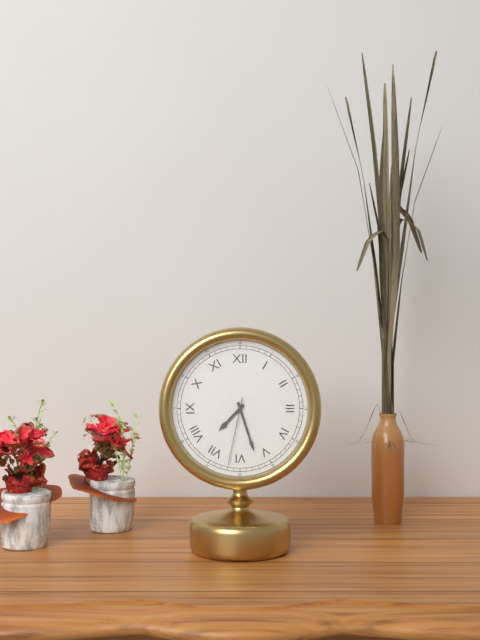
7.27.32
